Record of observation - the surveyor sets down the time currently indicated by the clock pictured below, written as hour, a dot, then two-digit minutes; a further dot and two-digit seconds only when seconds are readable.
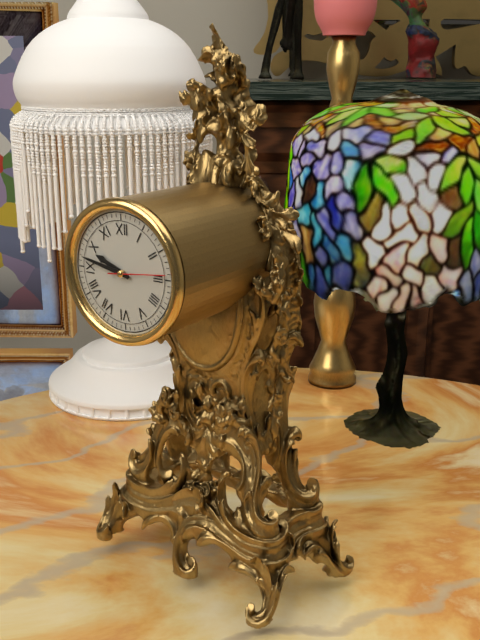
9.47.14
